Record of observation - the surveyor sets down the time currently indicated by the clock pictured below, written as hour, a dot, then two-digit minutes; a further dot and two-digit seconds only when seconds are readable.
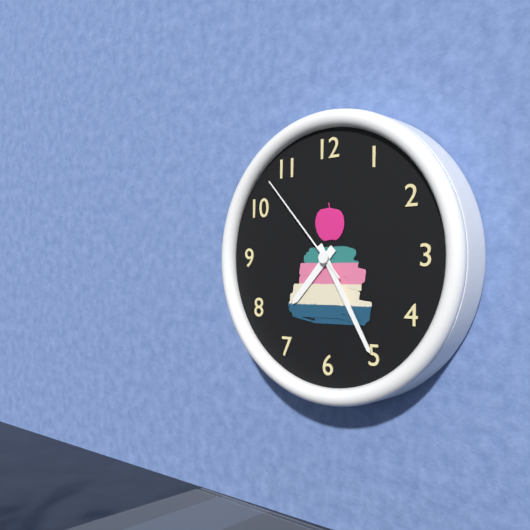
7.25.53
